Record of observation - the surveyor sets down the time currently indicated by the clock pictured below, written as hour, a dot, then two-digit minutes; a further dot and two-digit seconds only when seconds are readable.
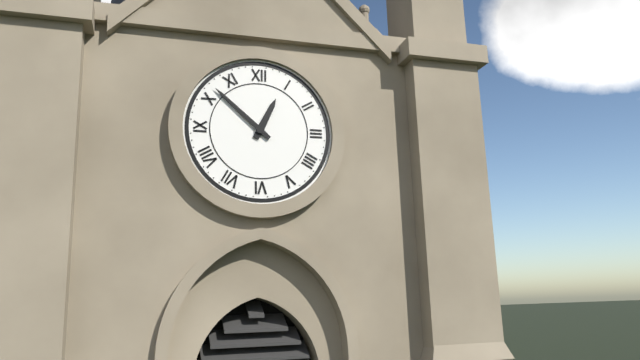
12.52
